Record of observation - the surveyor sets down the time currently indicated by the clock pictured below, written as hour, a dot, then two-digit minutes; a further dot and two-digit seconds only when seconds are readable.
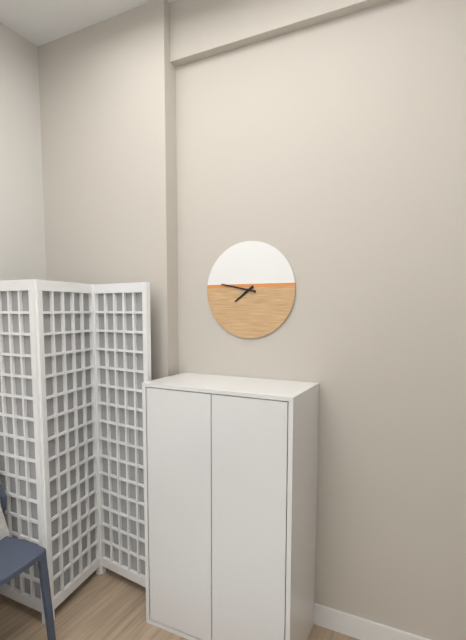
7.47
